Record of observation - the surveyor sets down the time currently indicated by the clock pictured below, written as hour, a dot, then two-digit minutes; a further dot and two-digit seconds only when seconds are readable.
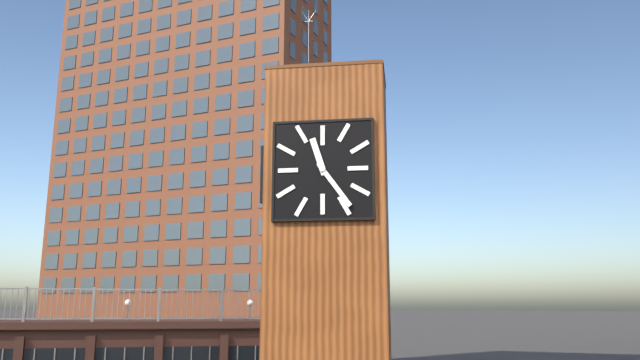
11.24
